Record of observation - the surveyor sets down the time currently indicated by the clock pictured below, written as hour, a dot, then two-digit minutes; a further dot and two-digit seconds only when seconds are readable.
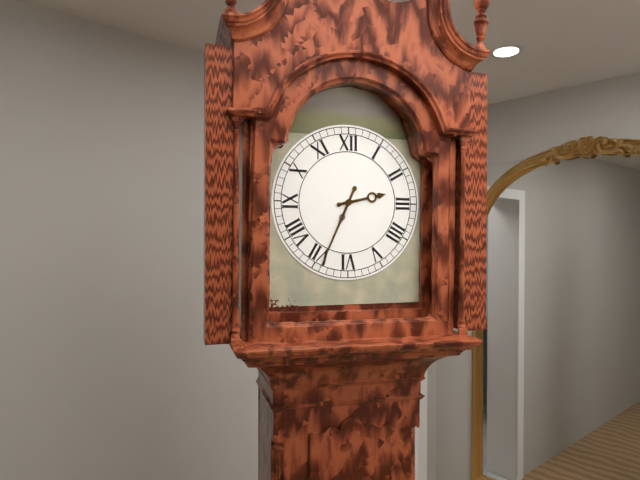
2.34
